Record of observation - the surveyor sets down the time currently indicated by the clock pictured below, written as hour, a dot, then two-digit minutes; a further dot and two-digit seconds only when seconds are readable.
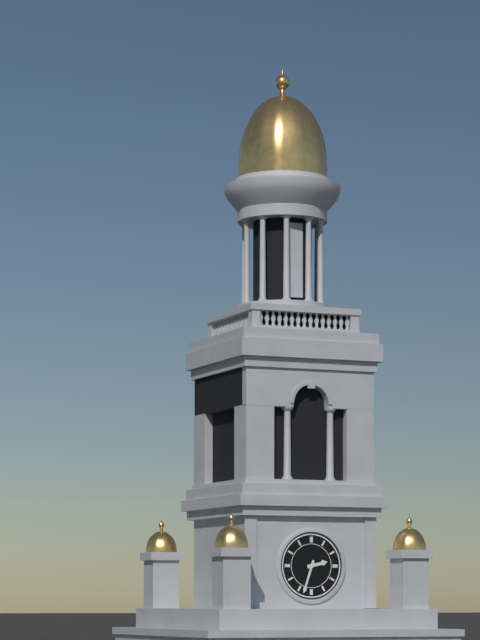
2.33
